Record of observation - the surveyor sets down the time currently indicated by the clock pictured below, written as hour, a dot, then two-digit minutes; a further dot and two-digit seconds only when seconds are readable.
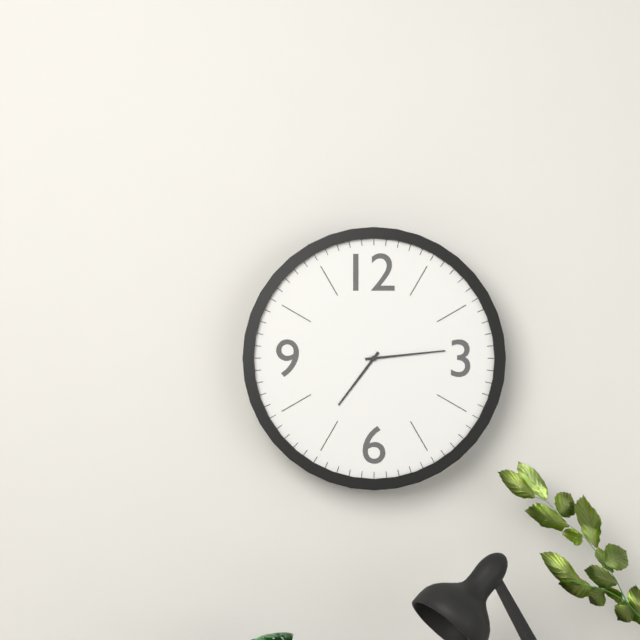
7.14
